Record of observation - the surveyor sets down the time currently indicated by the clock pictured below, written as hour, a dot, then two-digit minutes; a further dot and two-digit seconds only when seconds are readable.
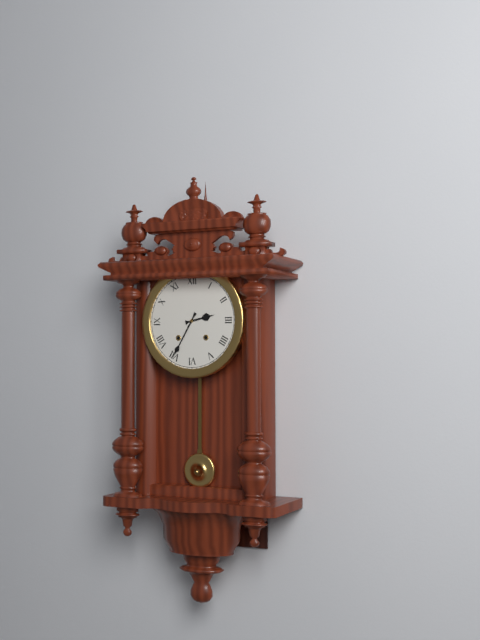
2.35
